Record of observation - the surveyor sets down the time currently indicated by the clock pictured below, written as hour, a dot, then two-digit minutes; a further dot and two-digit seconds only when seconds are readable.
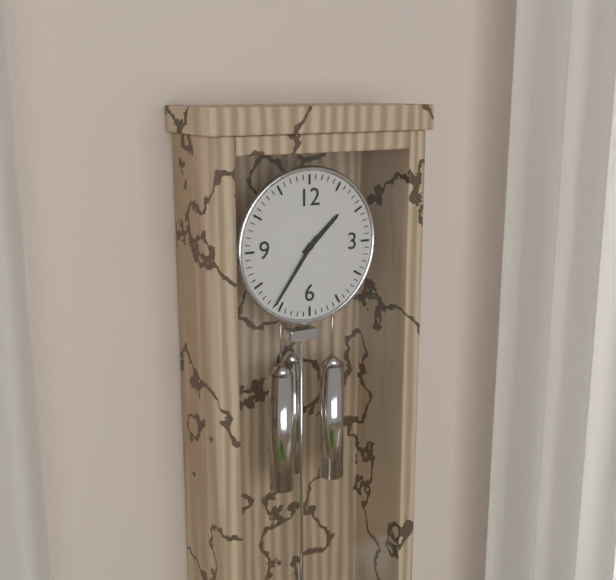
1.36
